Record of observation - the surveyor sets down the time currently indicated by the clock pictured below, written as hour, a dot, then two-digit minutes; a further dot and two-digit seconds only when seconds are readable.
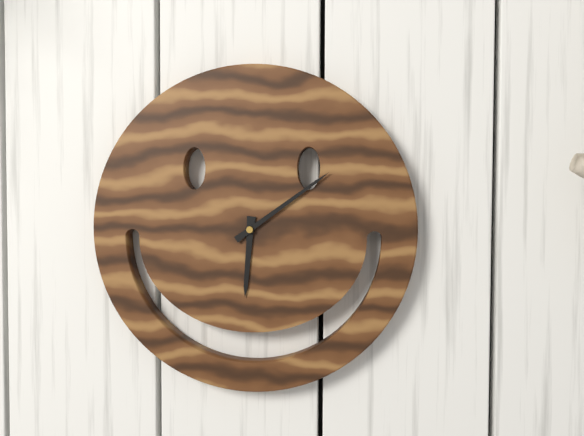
6.09
